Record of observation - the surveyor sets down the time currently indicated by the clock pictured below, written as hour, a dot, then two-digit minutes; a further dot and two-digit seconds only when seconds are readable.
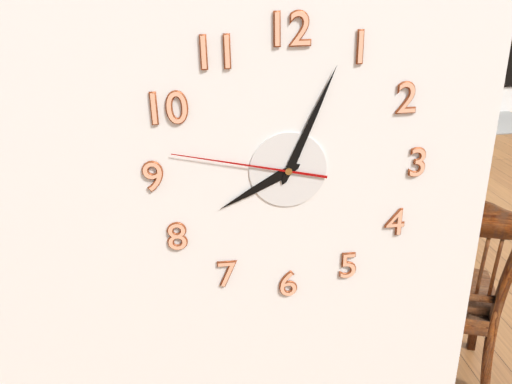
8.04.47
